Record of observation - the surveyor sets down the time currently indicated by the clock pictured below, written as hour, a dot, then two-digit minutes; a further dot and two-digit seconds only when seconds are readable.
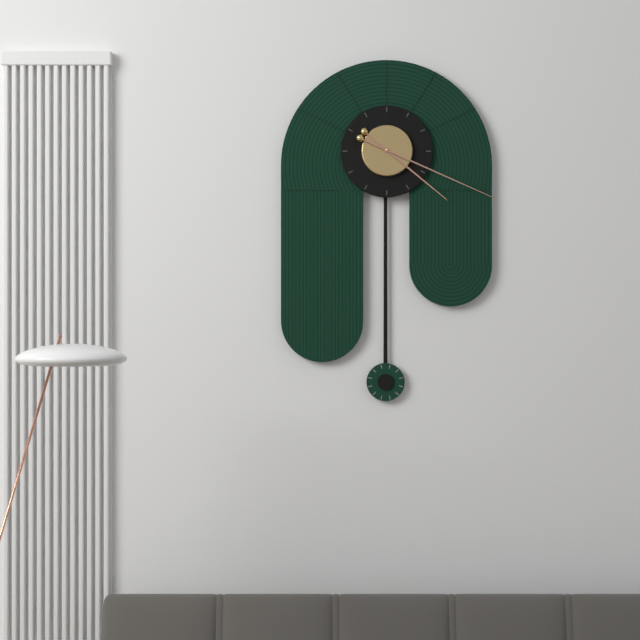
4.19
